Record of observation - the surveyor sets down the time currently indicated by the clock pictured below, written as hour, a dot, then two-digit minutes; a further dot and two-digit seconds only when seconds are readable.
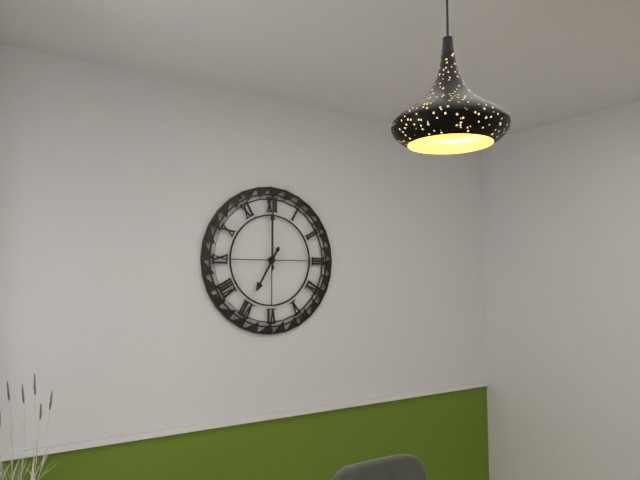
7.00
